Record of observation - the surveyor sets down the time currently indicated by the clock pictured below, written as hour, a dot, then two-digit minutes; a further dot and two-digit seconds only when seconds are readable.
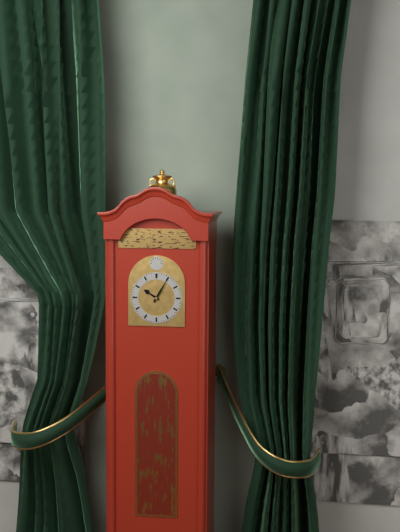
10.05
